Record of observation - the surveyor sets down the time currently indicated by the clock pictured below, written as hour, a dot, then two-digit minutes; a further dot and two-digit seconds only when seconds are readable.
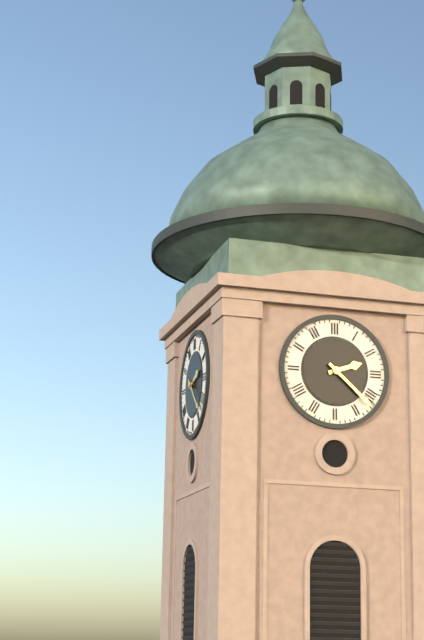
2.22
